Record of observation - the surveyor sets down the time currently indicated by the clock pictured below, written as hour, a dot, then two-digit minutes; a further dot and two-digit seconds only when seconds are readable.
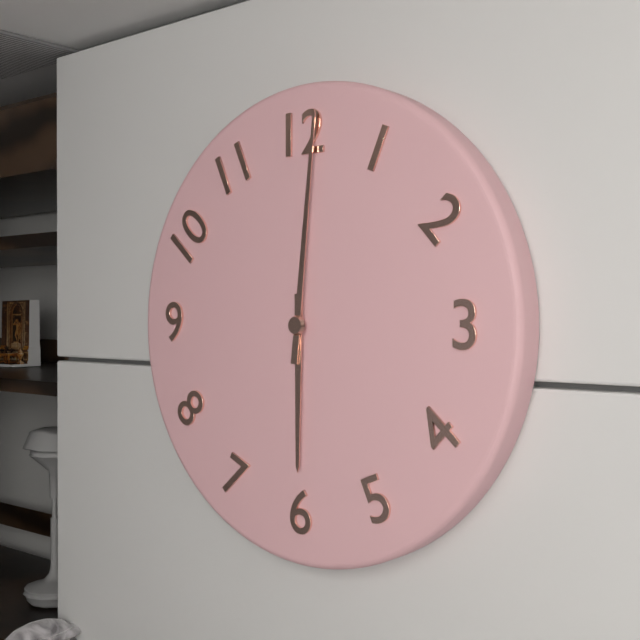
6.01
